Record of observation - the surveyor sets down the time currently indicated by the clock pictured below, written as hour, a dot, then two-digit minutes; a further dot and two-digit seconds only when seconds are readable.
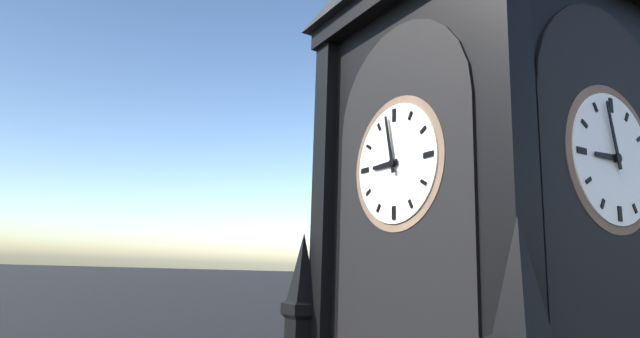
8.58
